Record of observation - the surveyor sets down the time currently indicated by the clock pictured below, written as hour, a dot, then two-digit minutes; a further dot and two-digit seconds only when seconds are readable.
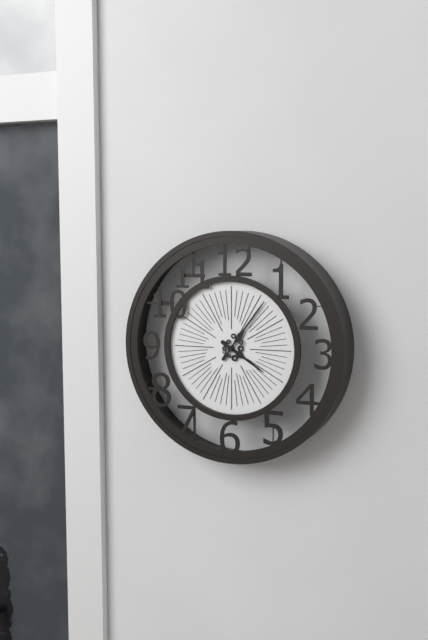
4.06
